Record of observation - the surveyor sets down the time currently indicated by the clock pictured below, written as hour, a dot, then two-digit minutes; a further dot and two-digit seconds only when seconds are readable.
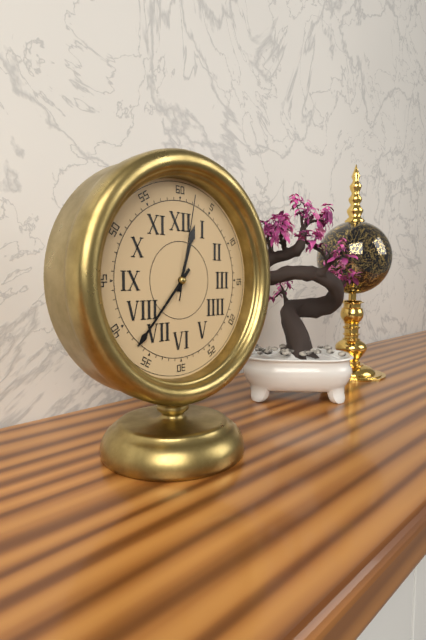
12.37.02
